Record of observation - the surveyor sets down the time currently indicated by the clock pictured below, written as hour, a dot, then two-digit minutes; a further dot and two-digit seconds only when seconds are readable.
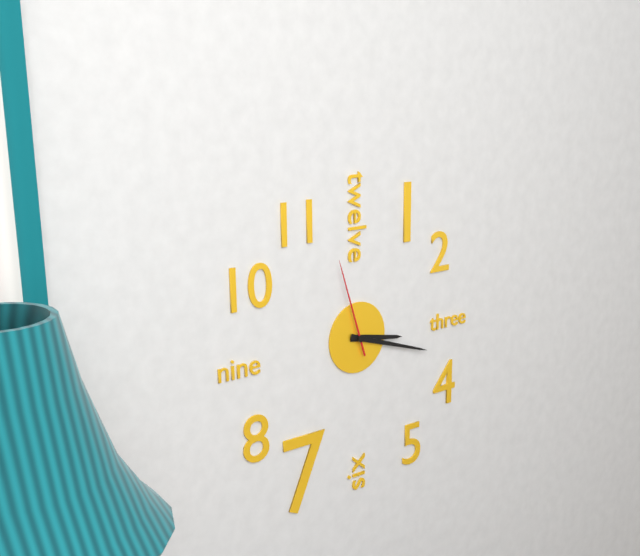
3.18.57
